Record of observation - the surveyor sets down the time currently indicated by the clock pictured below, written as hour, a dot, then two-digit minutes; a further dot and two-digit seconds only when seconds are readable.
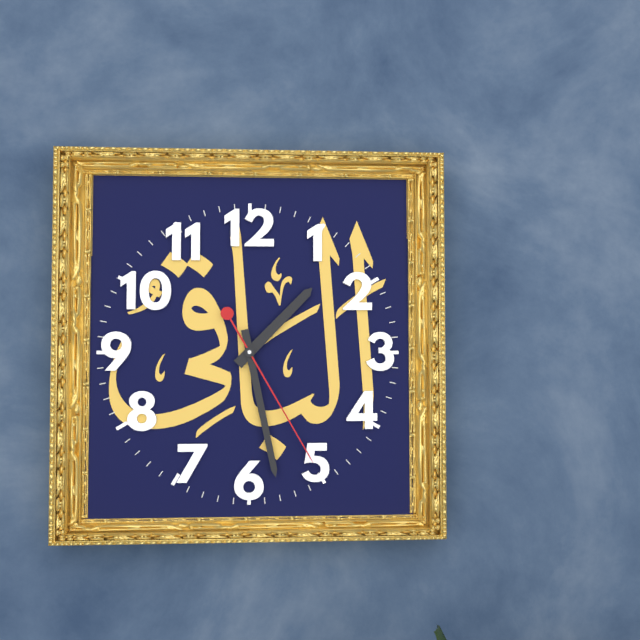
1.28.25
